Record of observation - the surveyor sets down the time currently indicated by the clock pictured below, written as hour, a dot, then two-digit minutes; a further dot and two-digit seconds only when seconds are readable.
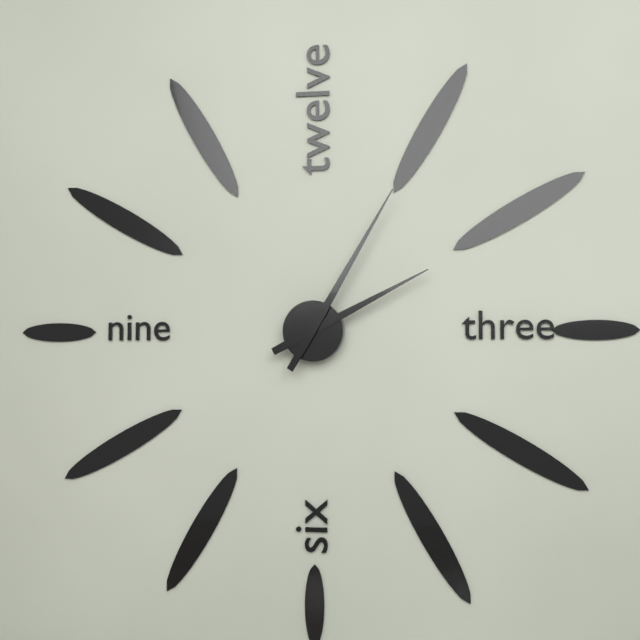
2.05
